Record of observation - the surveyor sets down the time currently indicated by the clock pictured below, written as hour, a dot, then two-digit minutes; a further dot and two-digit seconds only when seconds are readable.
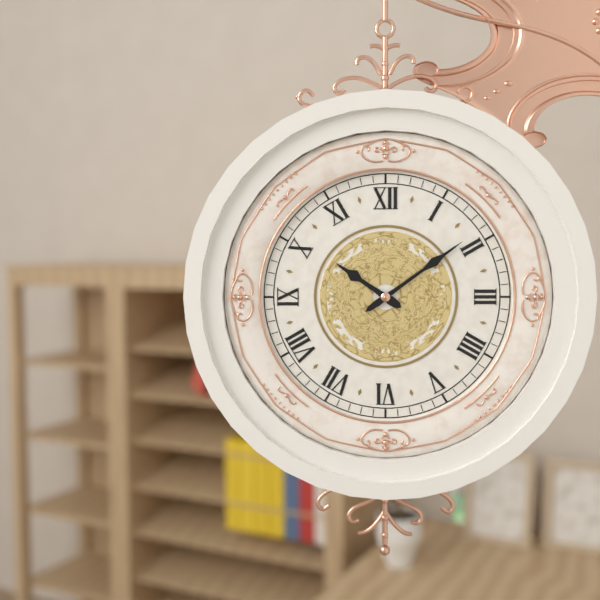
10.09
